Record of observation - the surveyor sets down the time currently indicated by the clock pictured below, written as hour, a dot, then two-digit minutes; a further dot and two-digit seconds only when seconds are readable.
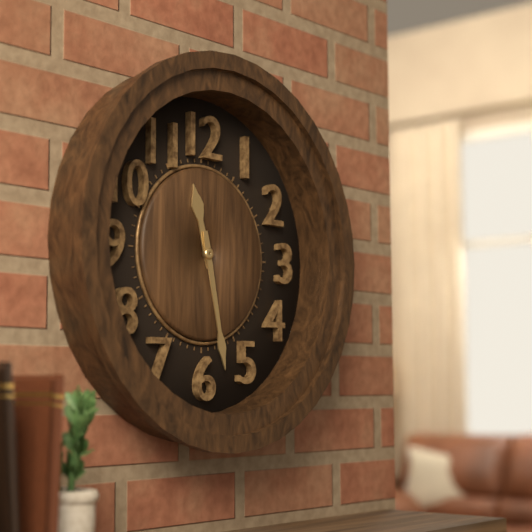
11.28
